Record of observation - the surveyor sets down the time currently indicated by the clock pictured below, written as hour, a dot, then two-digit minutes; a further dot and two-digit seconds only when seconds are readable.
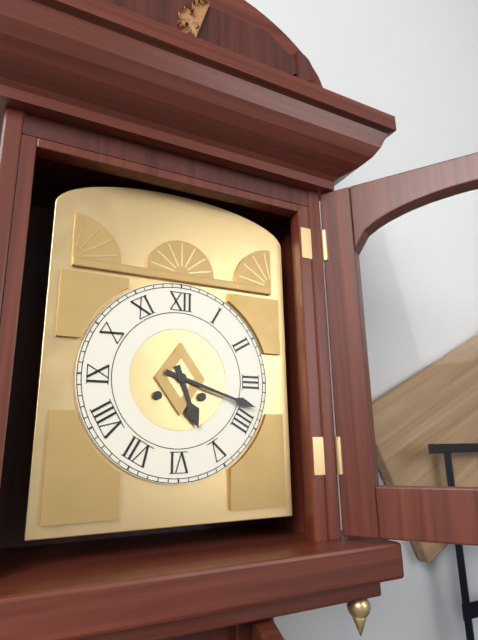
5.18
